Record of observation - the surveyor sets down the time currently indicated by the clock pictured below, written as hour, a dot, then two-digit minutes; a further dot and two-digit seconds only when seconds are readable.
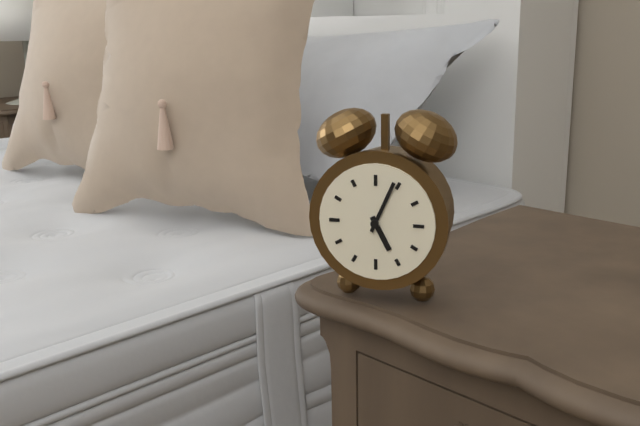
5.04
